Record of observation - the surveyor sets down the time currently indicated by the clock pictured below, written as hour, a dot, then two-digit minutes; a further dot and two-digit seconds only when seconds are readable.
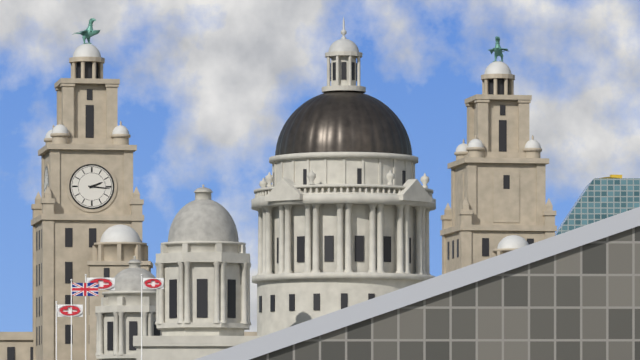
2.16
